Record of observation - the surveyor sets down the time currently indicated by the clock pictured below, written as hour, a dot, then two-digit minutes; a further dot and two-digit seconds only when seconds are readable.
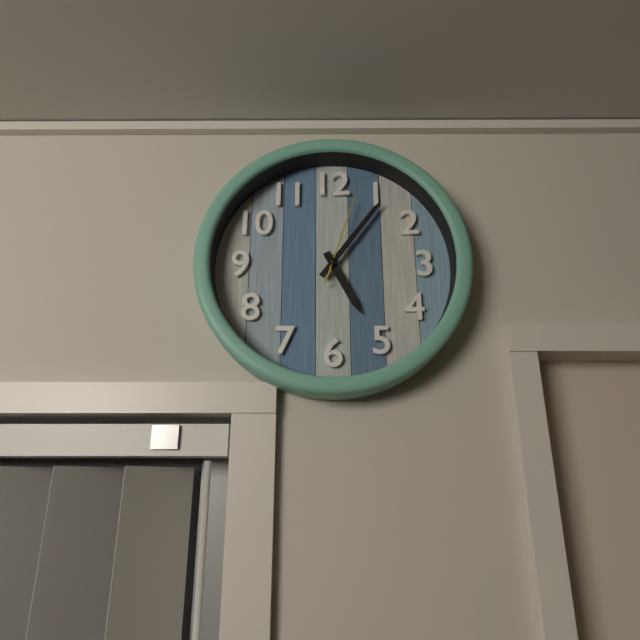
5.06.03
